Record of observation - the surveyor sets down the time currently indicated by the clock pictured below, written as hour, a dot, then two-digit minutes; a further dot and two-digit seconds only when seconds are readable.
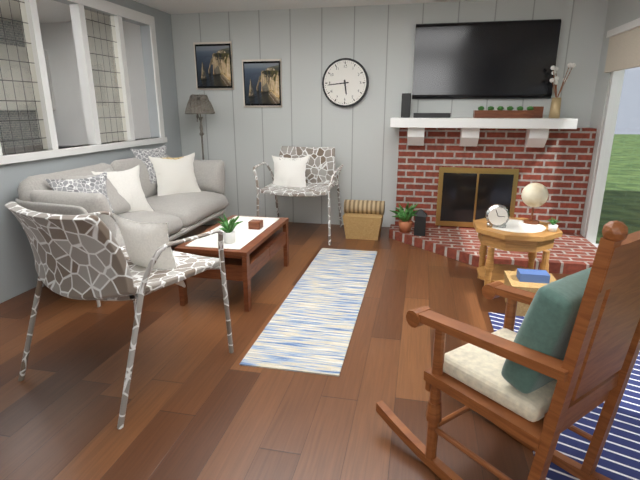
5.44
